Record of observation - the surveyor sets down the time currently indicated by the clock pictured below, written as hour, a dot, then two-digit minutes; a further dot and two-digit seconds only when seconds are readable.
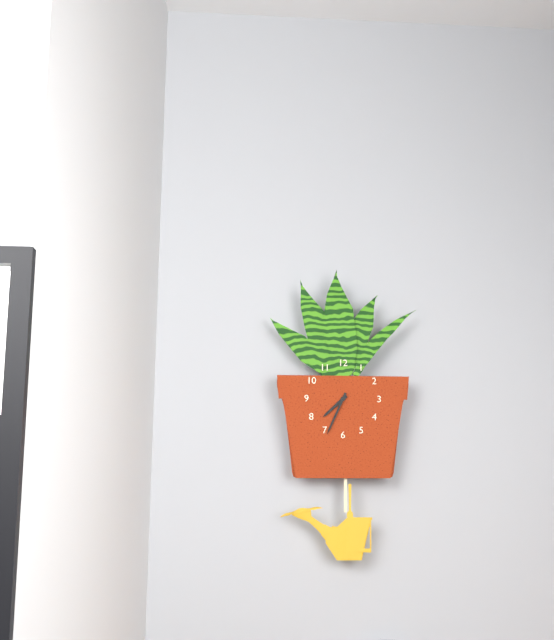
7.34
